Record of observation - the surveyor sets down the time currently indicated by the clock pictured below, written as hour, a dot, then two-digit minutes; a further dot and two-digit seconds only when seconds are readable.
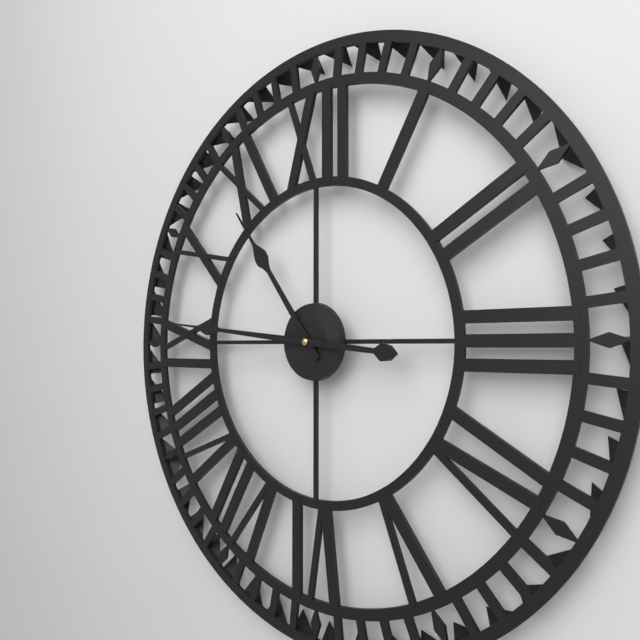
10.46
